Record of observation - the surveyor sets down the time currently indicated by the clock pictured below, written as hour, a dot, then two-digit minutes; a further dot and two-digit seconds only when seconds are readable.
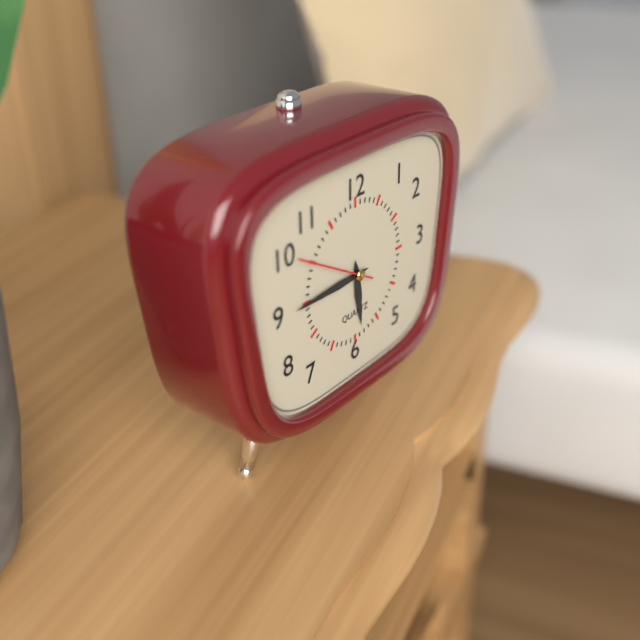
5.45.50
